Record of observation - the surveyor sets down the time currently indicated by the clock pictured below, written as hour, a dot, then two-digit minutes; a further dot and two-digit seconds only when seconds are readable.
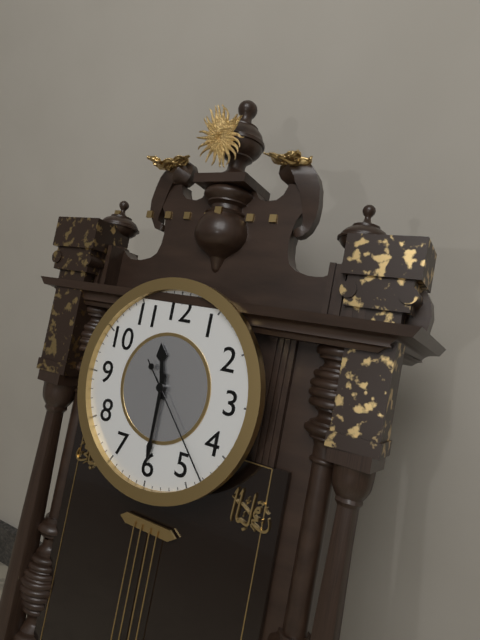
11.30.23
